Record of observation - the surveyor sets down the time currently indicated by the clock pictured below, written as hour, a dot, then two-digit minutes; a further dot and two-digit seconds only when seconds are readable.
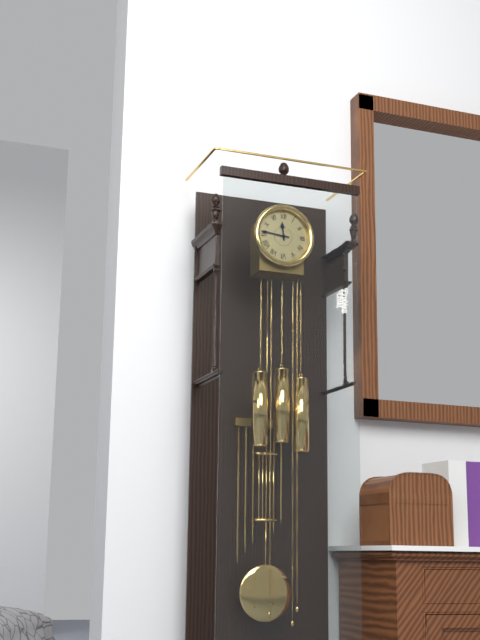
11.46
